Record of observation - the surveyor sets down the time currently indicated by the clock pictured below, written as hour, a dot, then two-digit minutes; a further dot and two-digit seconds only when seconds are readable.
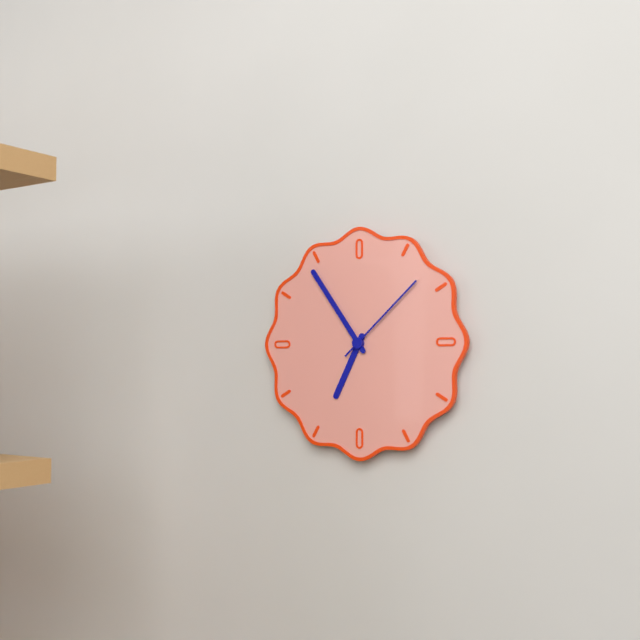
6.54.08
